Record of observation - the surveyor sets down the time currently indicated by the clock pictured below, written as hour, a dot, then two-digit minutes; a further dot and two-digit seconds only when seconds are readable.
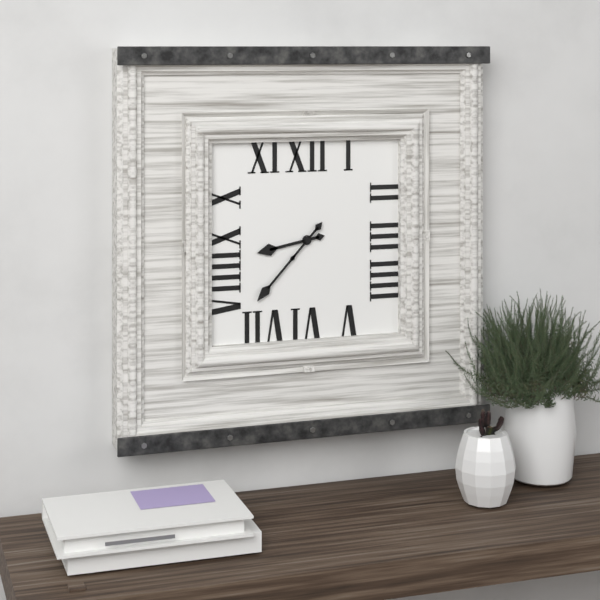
8.37
